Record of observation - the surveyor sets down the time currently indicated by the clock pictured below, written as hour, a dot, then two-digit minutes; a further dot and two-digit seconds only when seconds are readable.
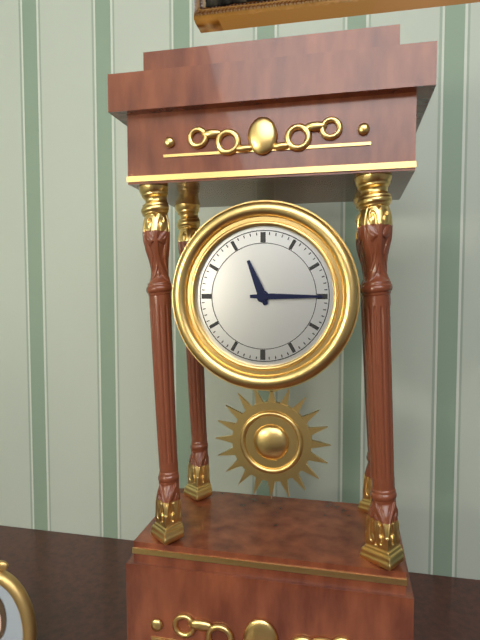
11.15
